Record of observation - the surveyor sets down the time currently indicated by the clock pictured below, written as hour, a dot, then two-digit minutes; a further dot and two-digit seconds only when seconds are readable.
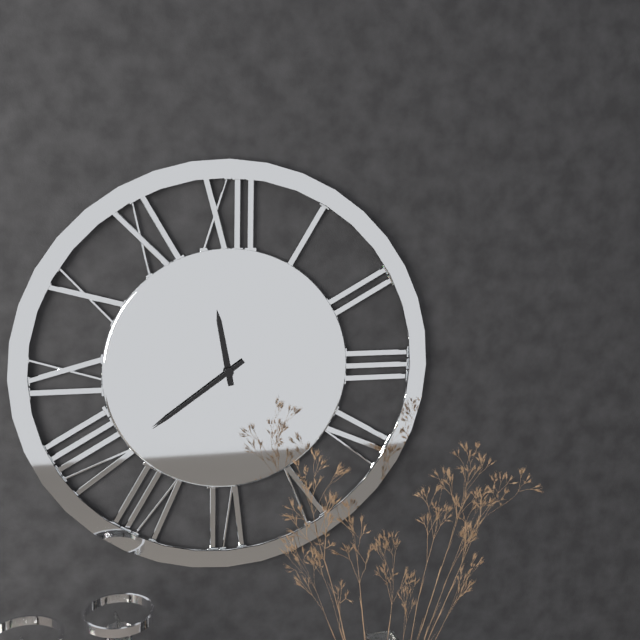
11.39
